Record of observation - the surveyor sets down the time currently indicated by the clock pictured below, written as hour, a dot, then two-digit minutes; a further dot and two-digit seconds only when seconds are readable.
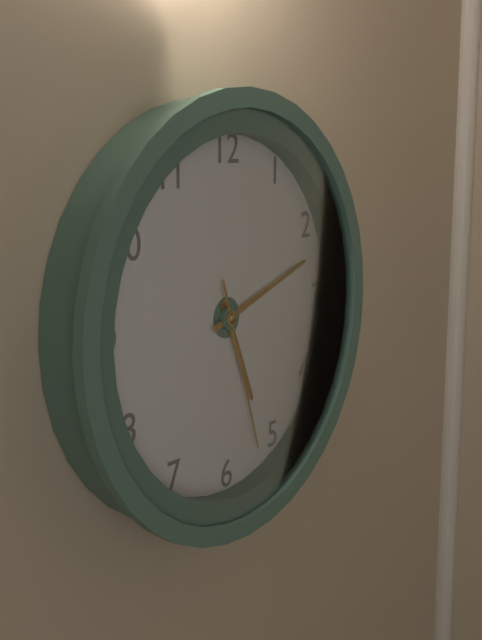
5.12.27
